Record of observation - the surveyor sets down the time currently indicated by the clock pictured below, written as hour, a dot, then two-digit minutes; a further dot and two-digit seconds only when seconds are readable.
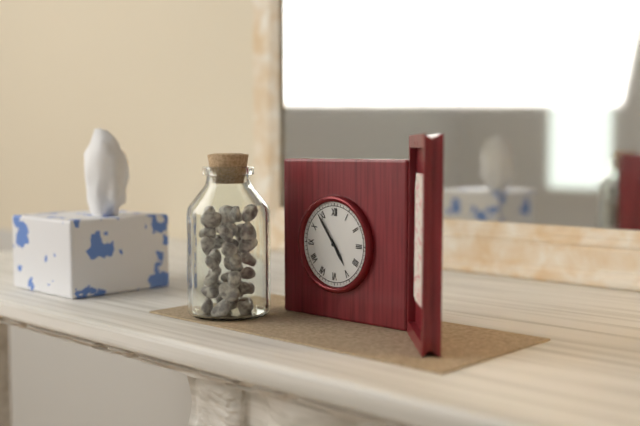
4.54
